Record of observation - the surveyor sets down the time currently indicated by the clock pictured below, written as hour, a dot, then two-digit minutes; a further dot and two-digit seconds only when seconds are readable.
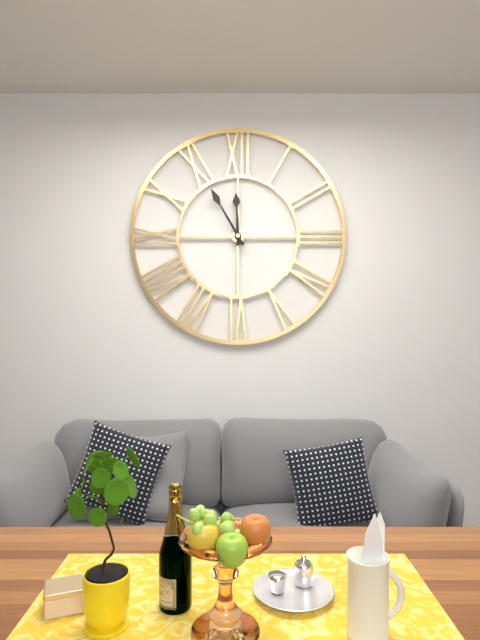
11.55
